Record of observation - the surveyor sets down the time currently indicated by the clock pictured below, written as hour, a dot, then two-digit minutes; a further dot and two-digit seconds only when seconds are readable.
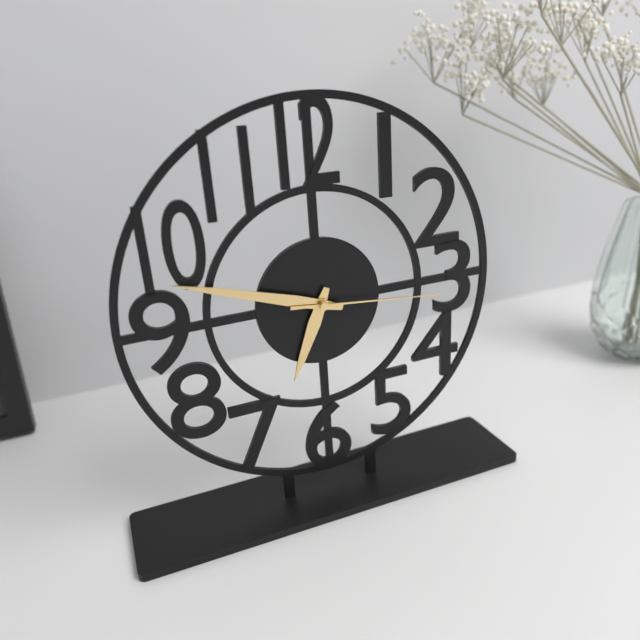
6.48.16
